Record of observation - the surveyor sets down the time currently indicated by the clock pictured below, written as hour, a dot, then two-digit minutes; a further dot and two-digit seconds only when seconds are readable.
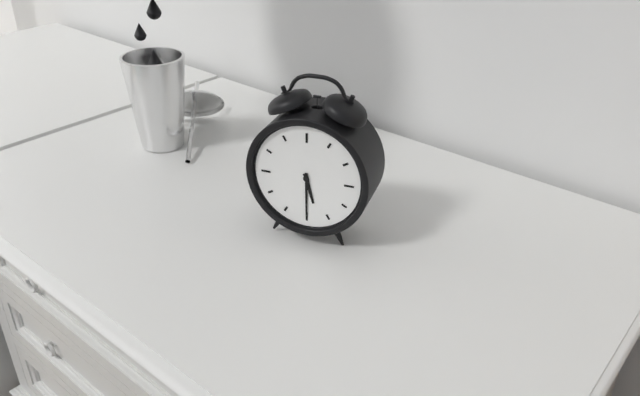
5.30
